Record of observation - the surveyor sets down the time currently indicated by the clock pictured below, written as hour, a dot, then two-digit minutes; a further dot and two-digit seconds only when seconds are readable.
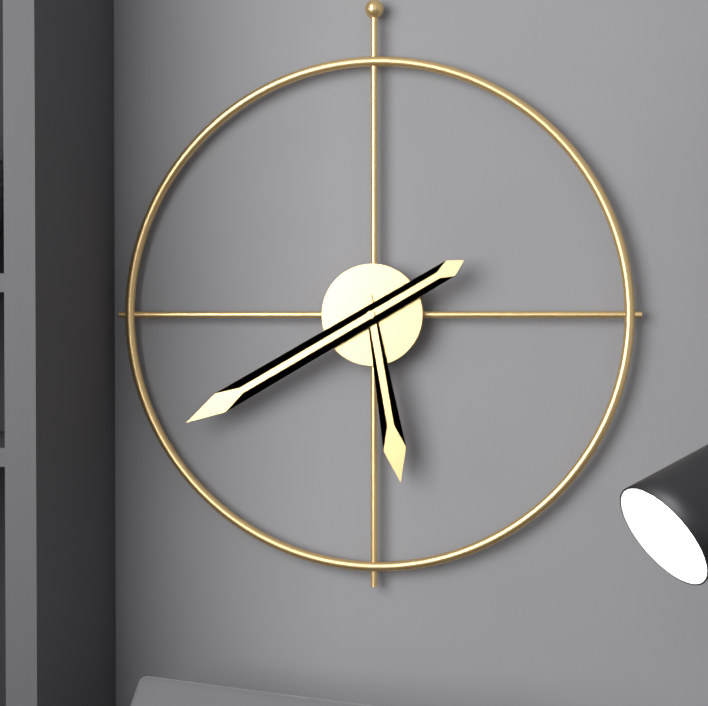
5.40
